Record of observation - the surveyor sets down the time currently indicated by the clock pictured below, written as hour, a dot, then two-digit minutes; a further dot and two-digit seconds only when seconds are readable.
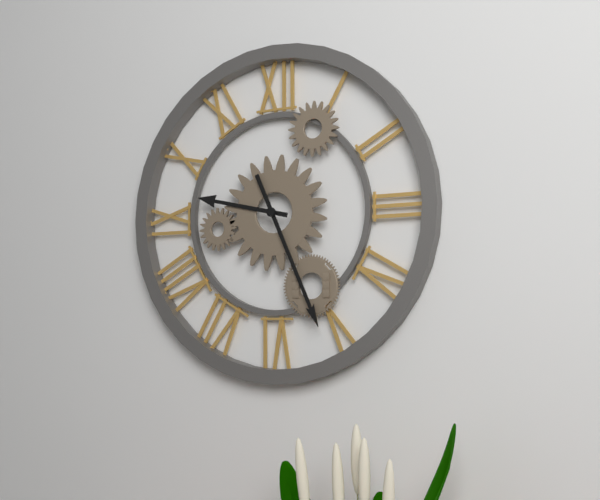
9.26
